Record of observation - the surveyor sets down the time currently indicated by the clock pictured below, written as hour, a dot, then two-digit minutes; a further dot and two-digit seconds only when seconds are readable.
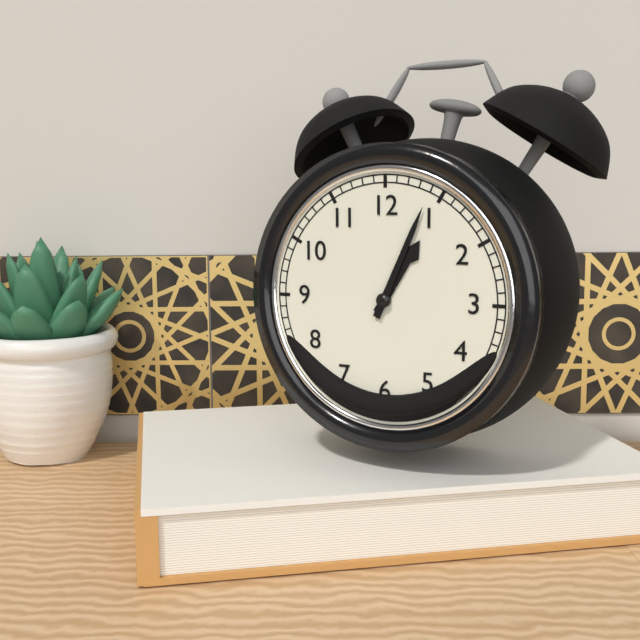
1.04
